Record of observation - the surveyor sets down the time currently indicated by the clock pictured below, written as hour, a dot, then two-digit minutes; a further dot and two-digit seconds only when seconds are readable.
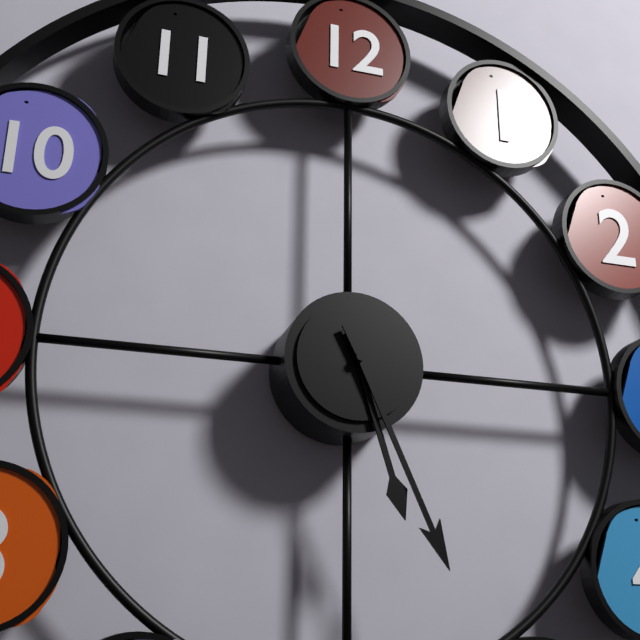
5.26
